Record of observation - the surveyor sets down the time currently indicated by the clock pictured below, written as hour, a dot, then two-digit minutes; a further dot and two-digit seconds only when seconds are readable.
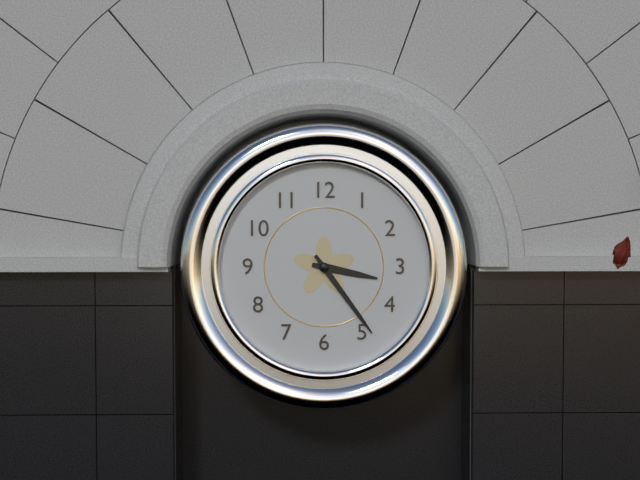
3.24
